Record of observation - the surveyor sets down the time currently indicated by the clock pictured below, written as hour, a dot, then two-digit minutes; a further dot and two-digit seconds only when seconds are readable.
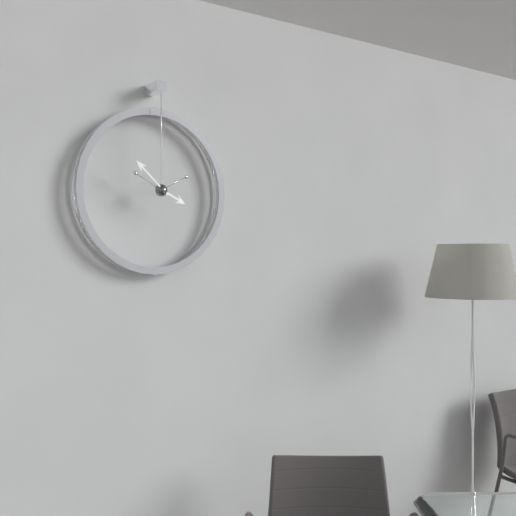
3.52
